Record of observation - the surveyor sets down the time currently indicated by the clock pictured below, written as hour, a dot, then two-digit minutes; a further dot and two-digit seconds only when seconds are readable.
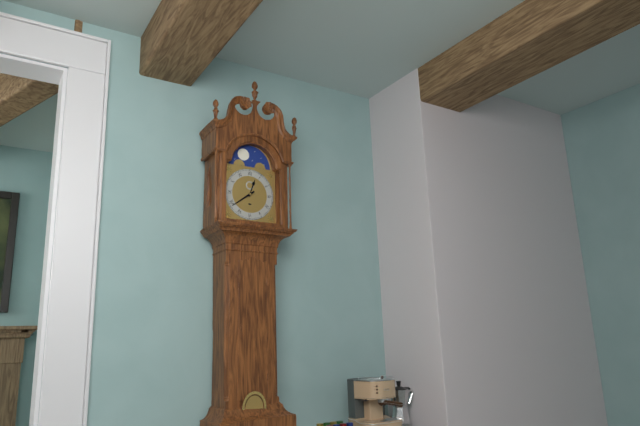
12.39
